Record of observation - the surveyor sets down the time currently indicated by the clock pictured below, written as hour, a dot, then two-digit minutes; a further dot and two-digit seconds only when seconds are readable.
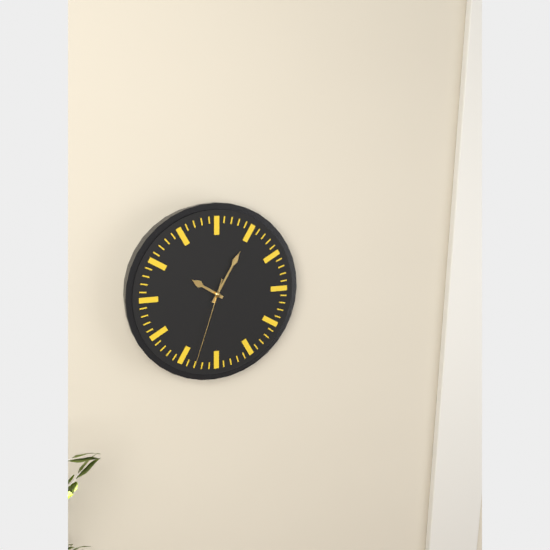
10.05.33
